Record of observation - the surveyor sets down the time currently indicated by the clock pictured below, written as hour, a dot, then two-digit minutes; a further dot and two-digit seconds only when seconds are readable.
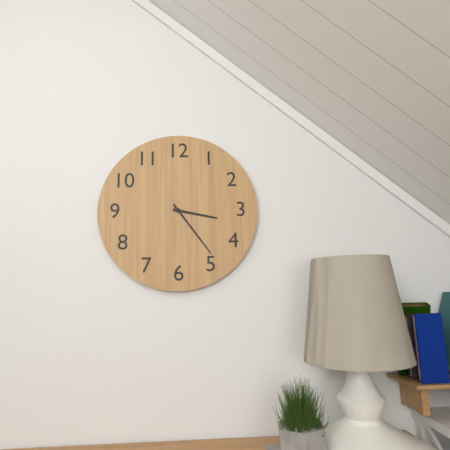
3.24
